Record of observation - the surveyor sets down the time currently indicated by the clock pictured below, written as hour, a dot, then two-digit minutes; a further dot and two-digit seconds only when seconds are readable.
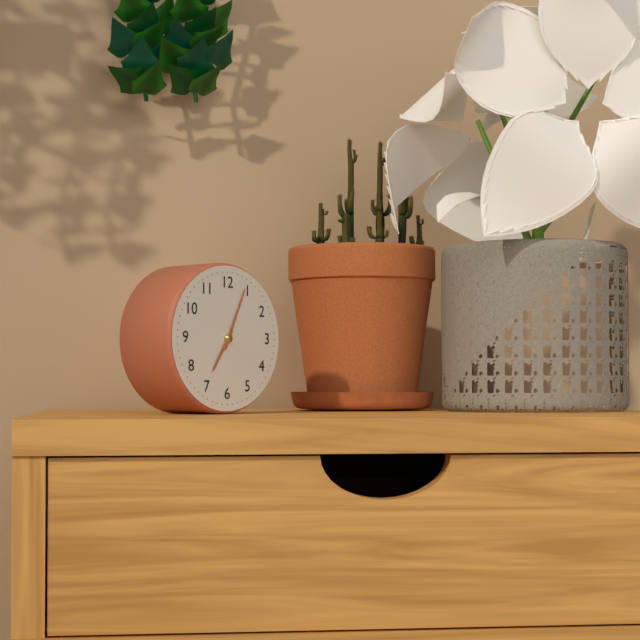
7.04
